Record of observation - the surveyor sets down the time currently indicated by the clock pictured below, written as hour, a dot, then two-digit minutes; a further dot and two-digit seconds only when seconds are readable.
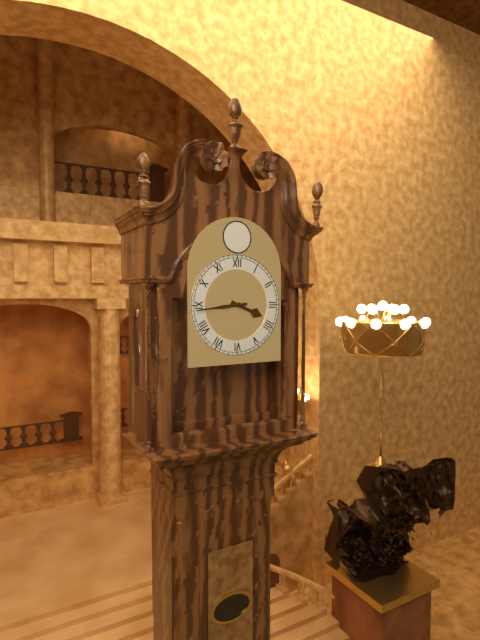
3.44
